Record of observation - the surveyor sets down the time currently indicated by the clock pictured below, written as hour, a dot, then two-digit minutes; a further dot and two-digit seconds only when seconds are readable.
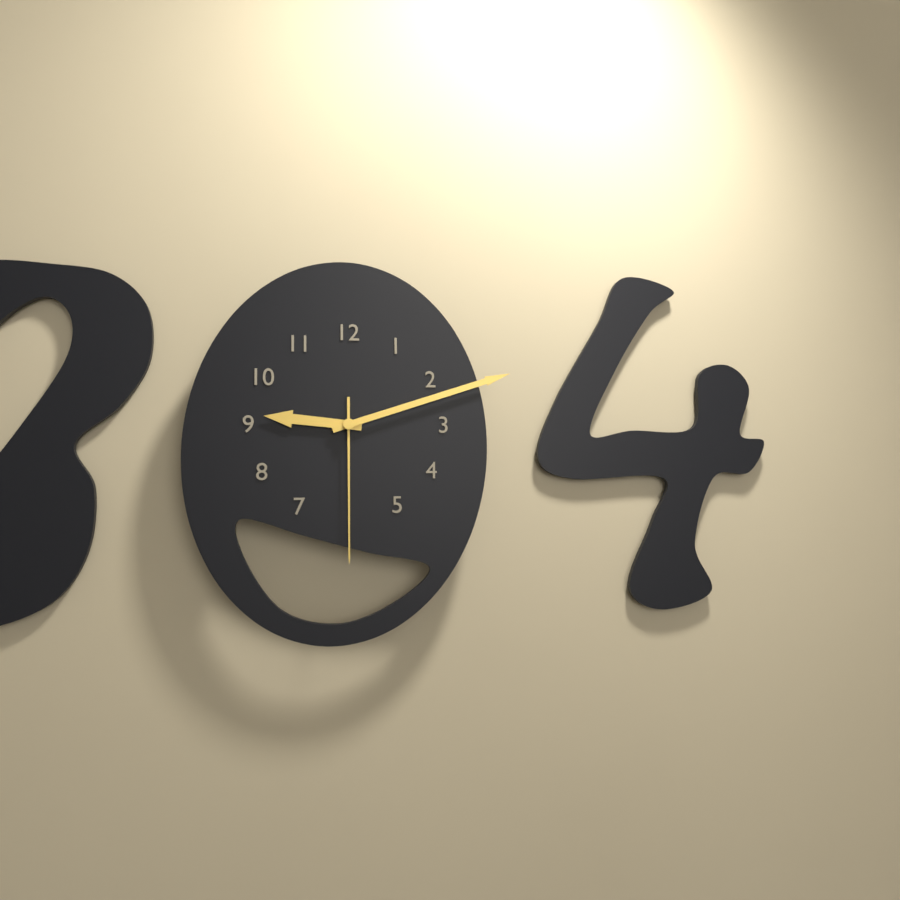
9.12.30
